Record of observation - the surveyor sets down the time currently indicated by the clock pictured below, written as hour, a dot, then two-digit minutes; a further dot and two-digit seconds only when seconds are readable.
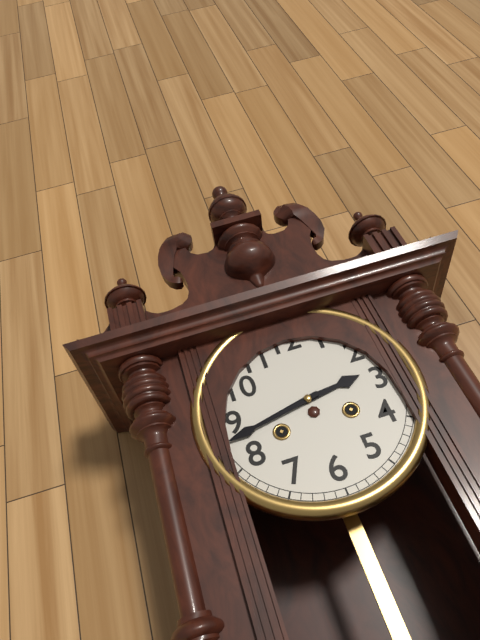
2.43
